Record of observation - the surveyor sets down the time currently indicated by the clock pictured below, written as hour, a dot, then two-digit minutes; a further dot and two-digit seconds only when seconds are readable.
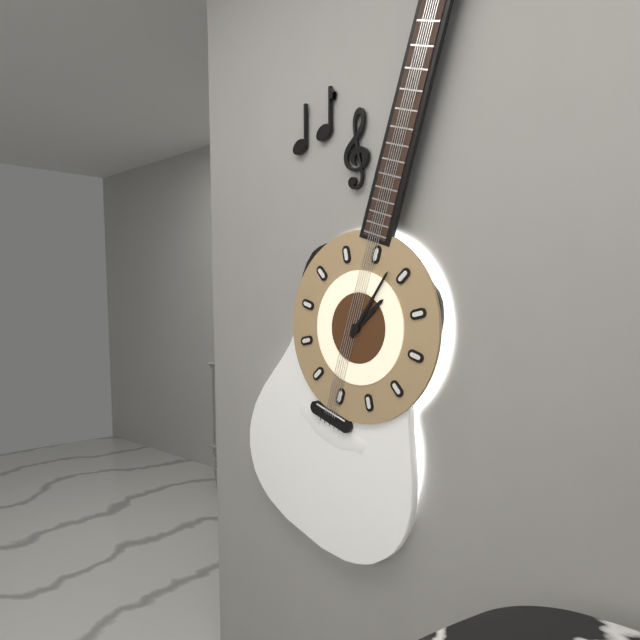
1.03
